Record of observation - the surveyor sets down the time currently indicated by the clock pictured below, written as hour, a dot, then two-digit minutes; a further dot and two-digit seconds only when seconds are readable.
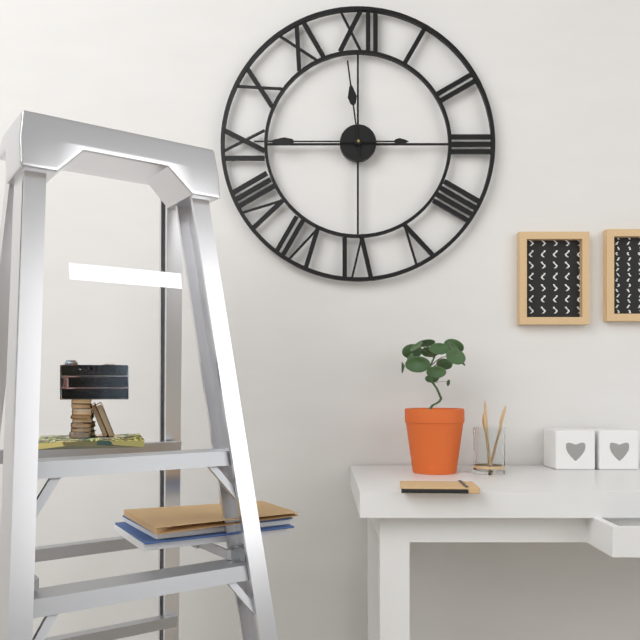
11.45
